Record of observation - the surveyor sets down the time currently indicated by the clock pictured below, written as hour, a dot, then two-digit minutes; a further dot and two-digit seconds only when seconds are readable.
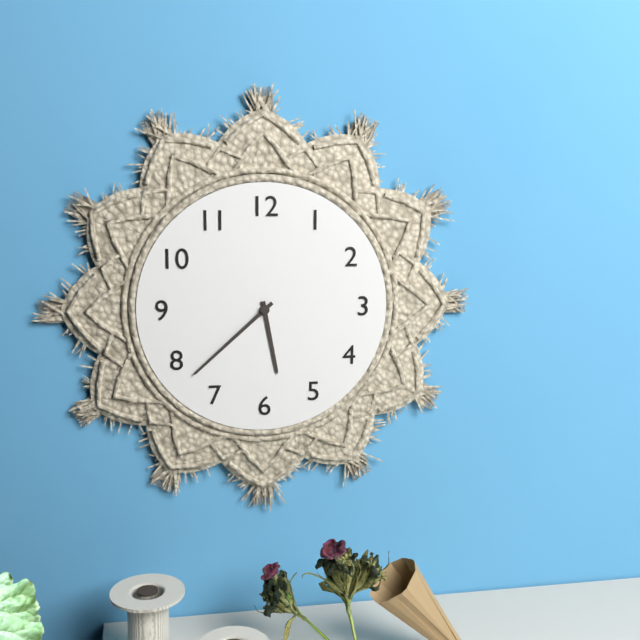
5.38
